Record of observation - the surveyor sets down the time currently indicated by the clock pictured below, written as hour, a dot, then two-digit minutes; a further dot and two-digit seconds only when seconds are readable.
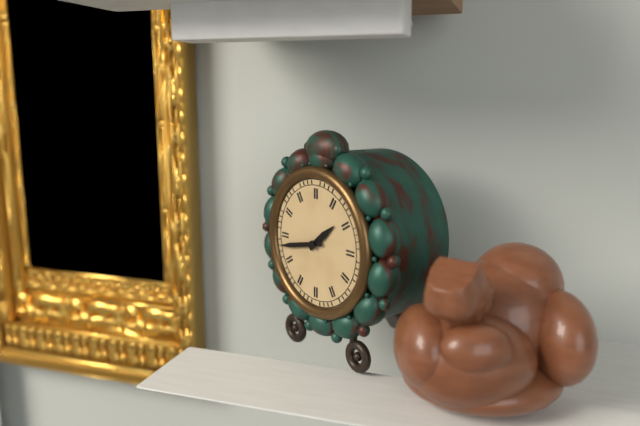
1.43
